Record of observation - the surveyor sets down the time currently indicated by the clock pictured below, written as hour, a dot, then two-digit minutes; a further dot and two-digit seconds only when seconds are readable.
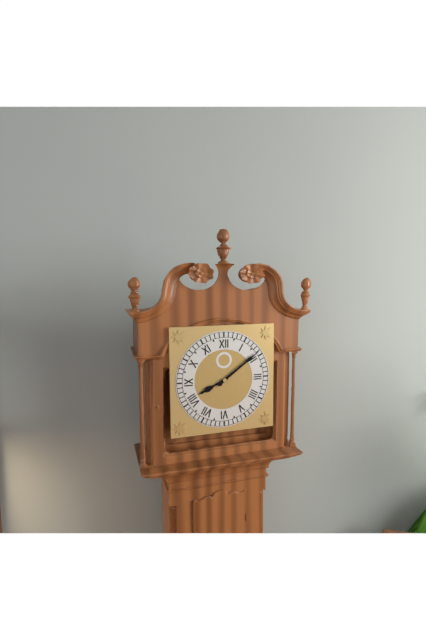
8.09
